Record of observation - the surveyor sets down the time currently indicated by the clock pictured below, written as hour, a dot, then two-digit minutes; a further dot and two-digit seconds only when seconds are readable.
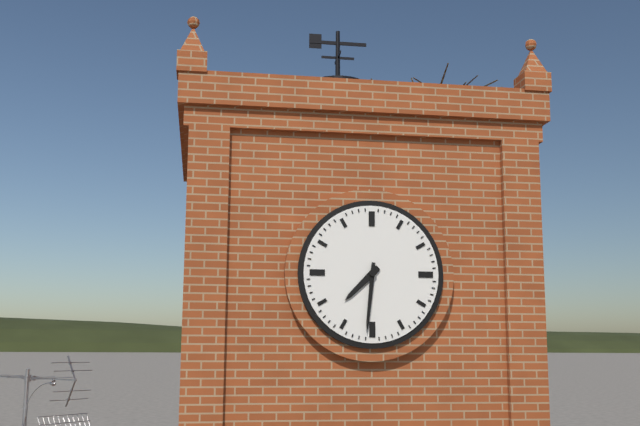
7.31
